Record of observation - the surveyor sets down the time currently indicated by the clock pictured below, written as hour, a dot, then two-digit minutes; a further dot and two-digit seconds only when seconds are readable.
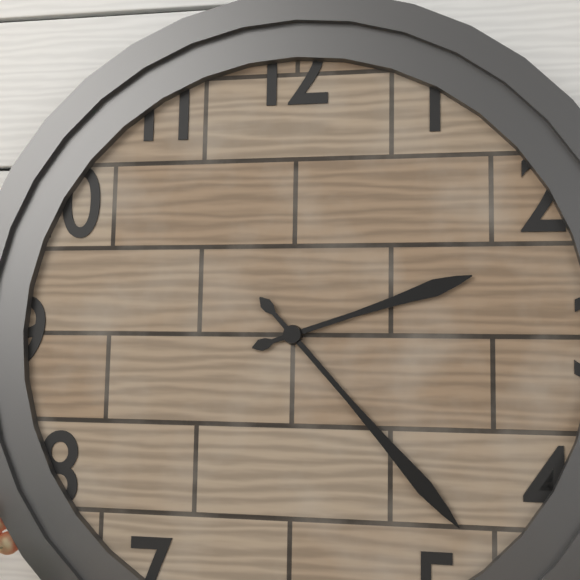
2.23
